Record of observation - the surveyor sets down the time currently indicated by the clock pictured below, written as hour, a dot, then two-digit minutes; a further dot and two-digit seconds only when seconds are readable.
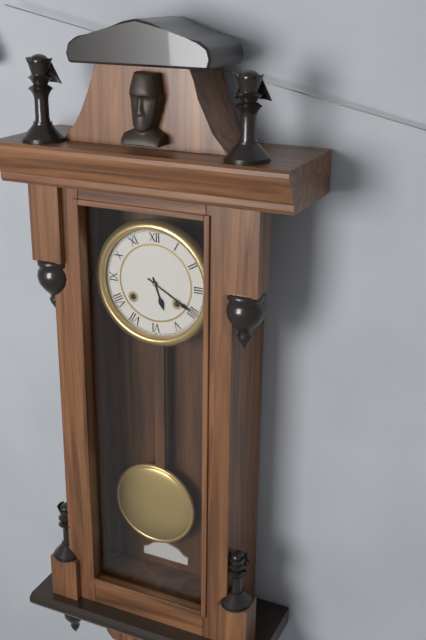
5.20
